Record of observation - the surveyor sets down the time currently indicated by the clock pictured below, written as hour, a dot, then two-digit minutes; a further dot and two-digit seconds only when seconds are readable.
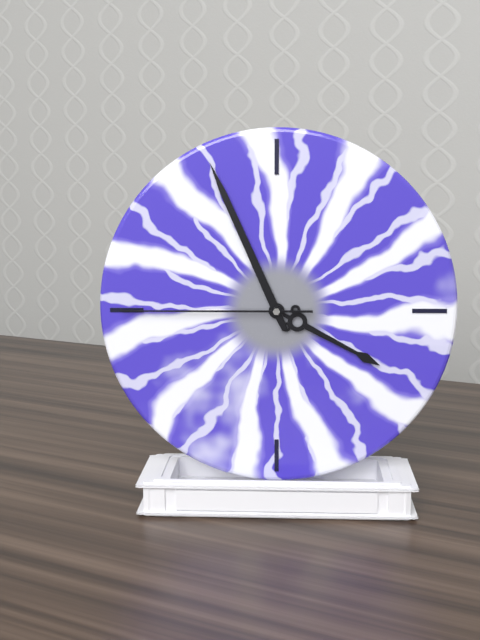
3.56.45
